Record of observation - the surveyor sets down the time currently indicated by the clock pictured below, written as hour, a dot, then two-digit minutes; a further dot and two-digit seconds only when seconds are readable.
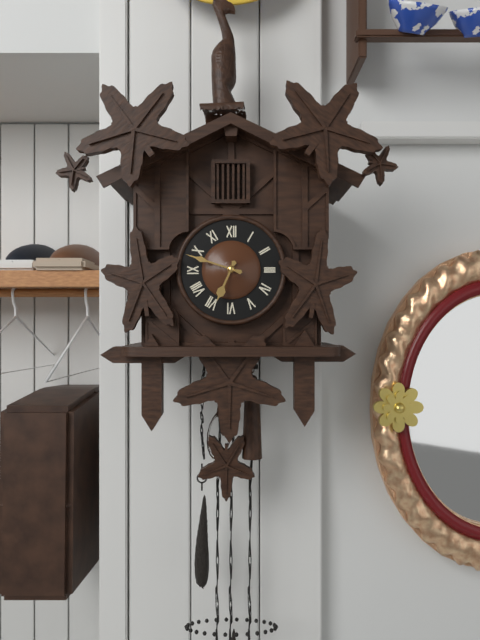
6.48
